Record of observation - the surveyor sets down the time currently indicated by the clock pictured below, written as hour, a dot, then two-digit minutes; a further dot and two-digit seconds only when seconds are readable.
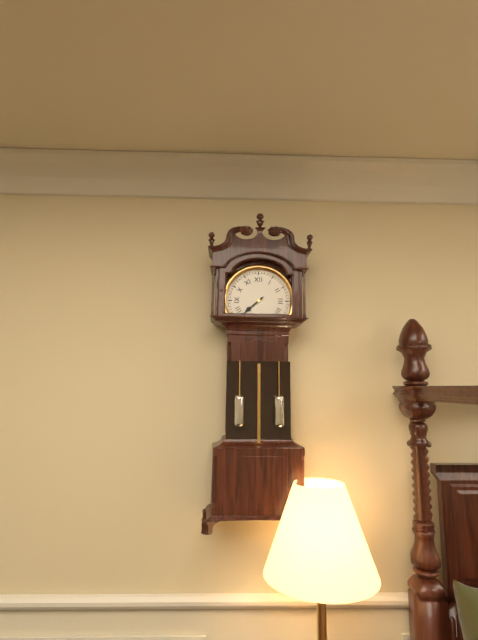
7.38
